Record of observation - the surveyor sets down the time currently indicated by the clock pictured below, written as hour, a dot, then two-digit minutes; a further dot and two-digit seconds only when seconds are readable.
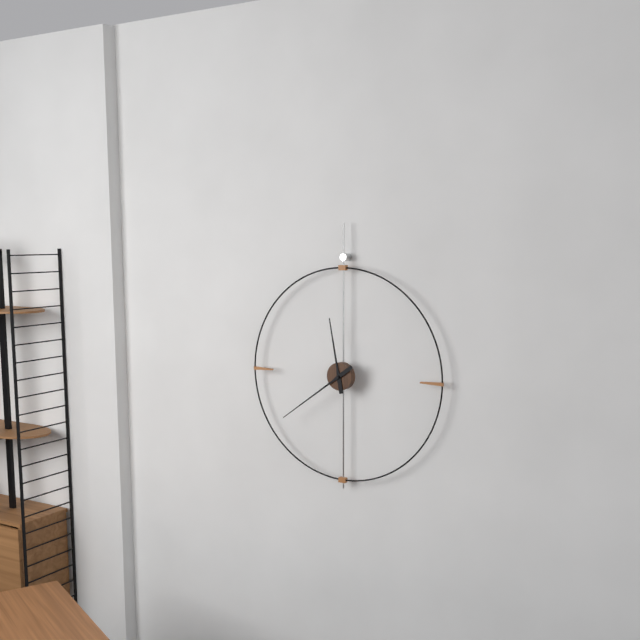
11.39
